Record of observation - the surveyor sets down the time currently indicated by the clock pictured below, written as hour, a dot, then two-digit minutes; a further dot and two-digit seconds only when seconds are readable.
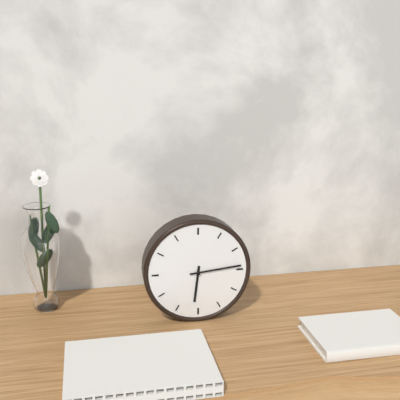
6.14
